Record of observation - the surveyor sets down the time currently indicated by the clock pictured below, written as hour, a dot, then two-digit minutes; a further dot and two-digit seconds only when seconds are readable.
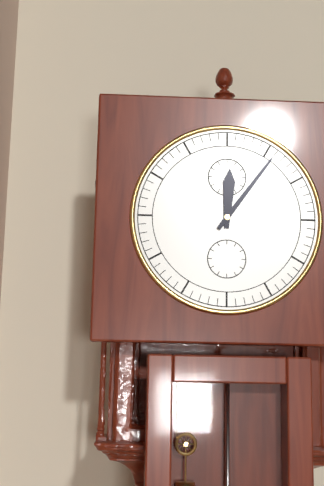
12.06
